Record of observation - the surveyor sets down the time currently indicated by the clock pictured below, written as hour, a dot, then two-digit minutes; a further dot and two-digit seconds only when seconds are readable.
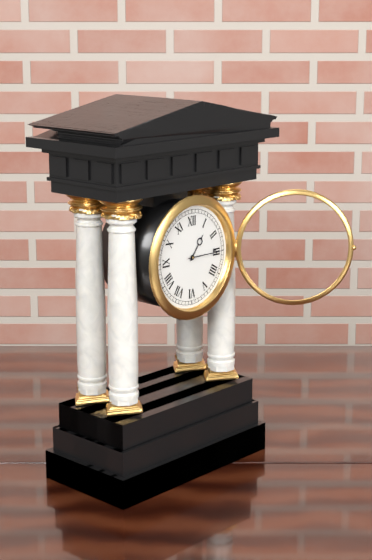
1.15
